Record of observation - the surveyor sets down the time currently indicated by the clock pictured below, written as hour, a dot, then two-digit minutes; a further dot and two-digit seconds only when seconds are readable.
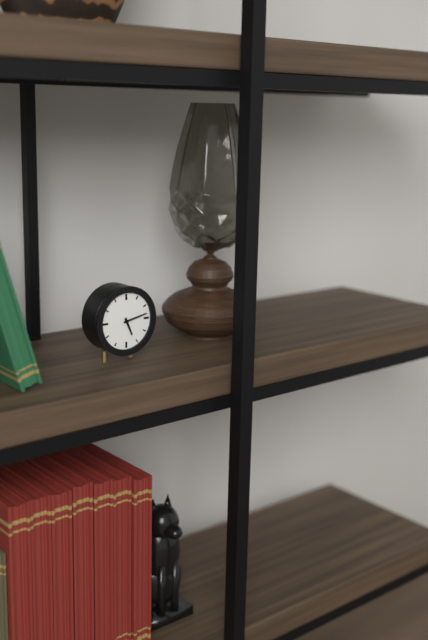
5.13
